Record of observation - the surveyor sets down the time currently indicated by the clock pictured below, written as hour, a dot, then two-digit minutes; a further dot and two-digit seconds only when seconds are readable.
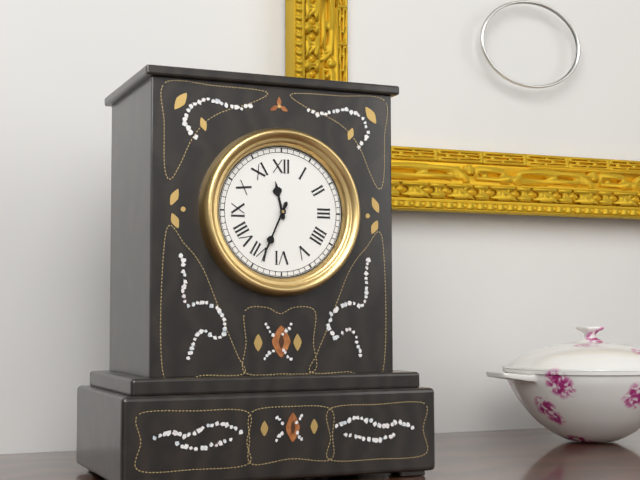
11.34
